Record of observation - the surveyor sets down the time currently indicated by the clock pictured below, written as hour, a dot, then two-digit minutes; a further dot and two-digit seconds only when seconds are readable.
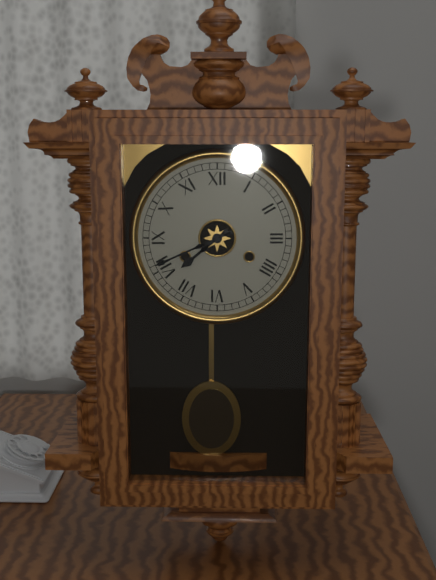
7.41
